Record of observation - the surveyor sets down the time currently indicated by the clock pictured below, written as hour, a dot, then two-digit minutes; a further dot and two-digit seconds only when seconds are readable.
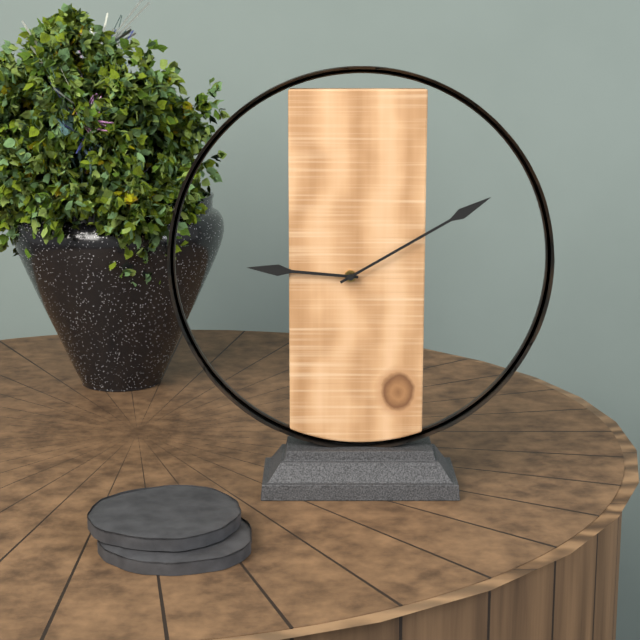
9.10
